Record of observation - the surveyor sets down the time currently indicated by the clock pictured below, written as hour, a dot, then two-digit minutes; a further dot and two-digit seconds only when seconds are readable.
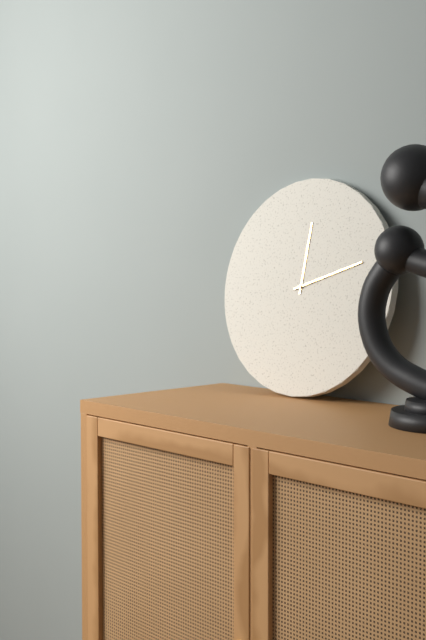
12.12
